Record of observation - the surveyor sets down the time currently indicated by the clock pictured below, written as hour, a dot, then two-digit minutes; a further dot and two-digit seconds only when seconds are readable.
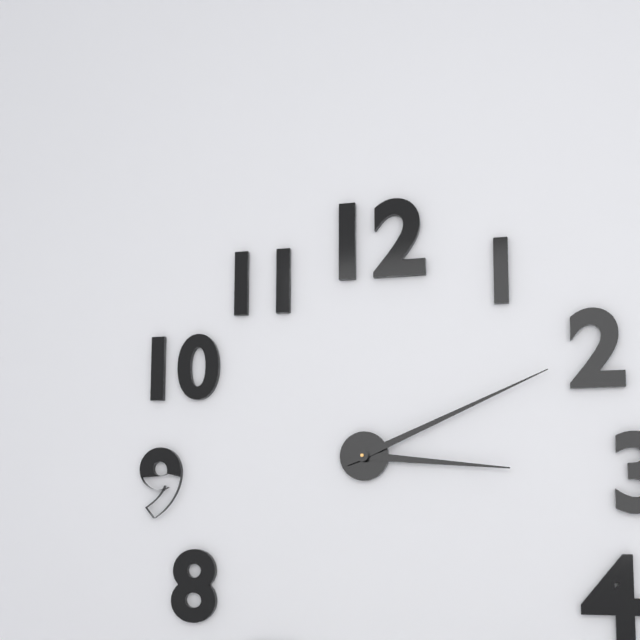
3.11
